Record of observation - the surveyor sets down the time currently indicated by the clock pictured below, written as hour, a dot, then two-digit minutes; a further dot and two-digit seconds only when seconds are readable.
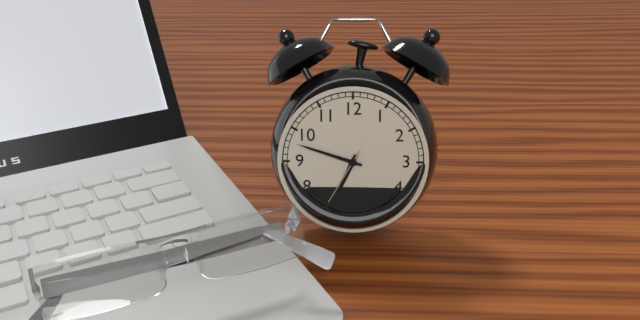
6.48.35
